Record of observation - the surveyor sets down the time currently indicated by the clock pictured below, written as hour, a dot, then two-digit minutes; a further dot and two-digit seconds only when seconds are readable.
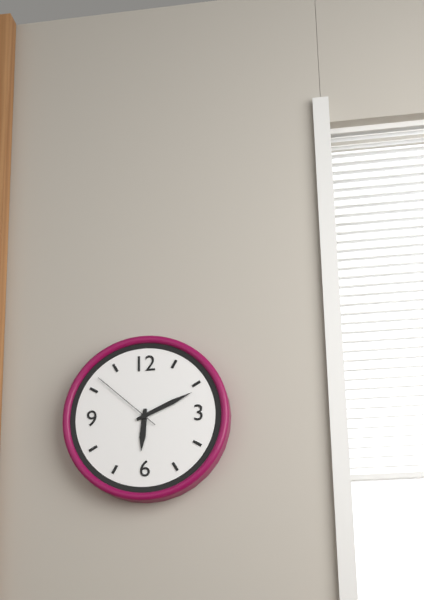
6.11.52
